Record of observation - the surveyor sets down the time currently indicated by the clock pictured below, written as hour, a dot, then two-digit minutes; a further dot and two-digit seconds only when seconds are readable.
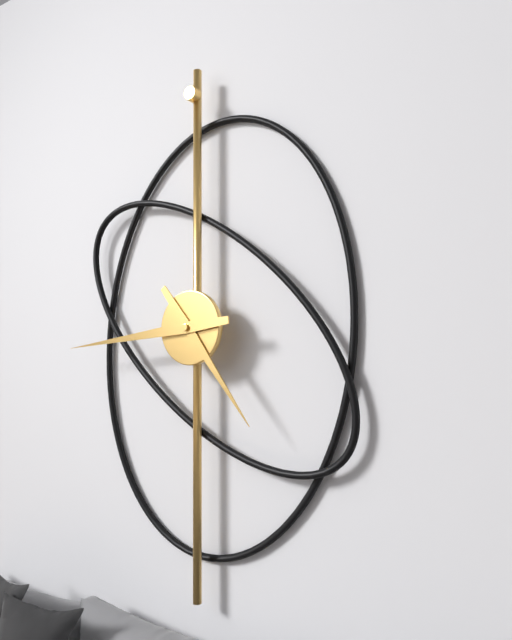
4.44
